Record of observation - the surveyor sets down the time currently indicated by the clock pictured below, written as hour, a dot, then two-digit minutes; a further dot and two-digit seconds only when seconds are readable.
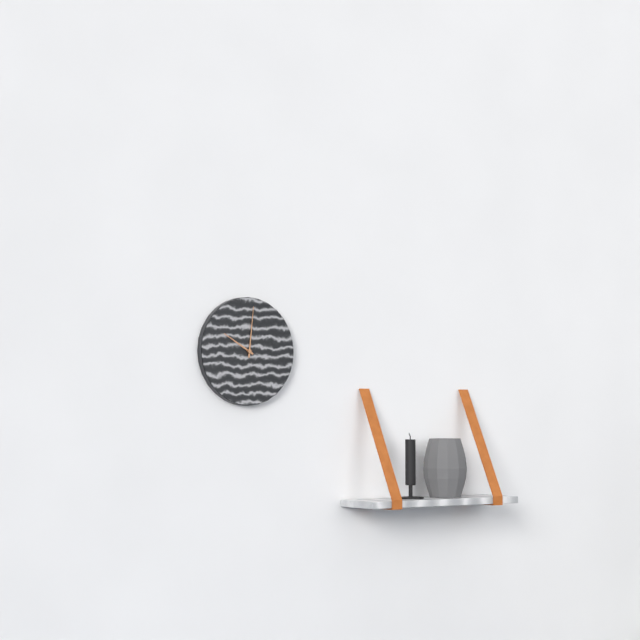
10.01
